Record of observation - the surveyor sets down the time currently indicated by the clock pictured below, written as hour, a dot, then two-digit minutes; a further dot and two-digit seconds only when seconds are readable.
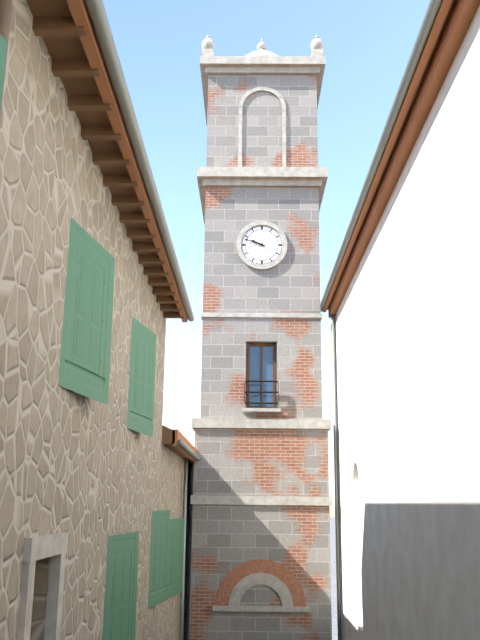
9.48
